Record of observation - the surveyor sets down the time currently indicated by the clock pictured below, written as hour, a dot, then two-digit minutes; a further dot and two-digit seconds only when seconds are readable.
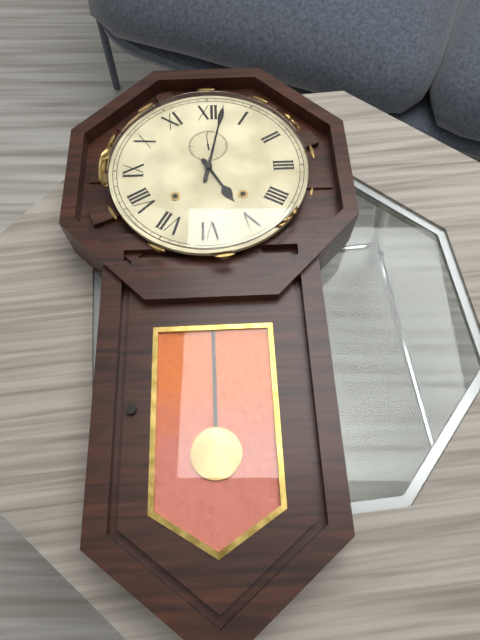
5.02.59
